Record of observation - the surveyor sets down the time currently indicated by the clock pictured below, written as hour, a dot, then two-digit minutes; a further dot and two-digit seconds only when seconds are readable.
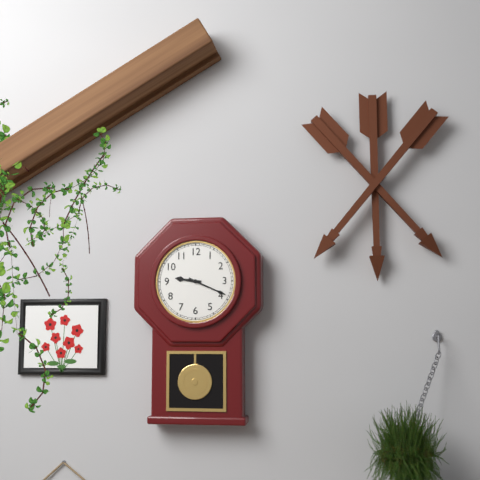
9.19
